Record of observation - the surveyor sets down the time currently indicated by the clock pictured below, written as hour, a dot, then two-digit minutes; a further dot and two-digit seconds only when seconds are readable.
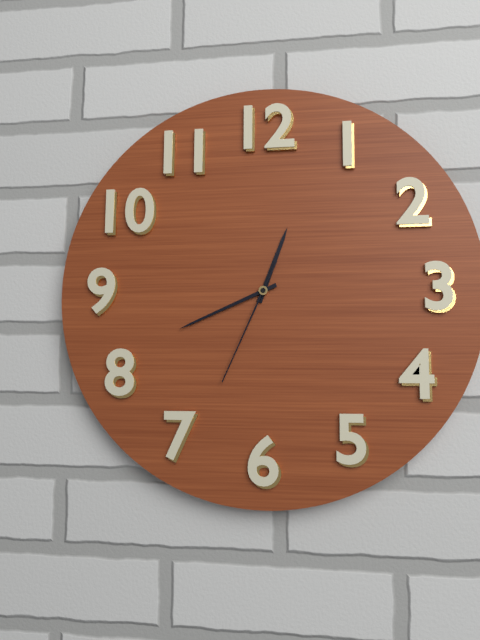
12.41.34
